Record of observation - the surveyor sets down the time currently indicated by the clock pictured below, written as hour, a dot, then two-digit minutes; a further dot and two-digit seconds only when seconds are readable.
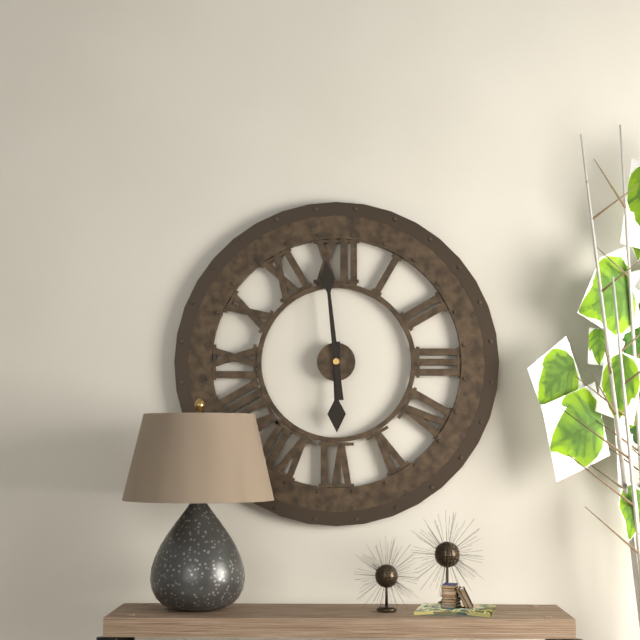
5.59
